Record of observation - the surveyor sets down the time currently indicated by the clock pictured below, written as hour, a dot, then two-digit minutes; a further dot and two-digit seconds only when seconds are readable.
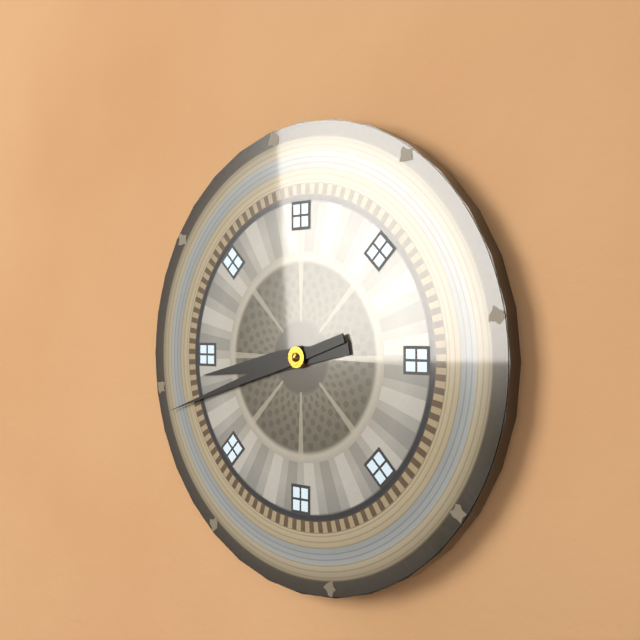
8.42
